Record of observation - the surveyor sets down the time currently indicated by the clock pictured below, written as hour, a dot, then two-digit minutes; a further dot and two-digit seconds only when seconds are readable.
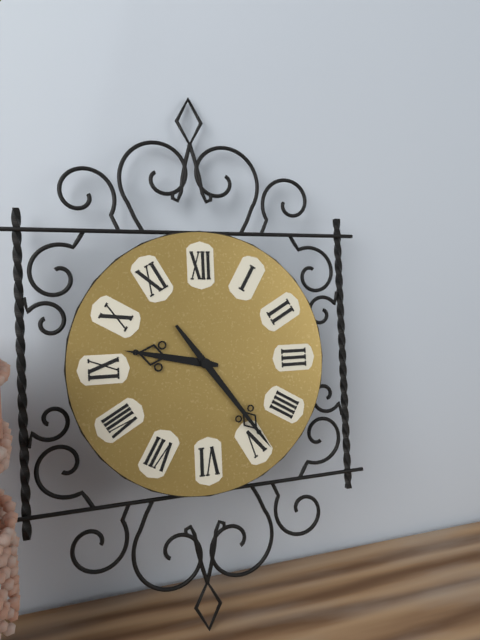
9.24
